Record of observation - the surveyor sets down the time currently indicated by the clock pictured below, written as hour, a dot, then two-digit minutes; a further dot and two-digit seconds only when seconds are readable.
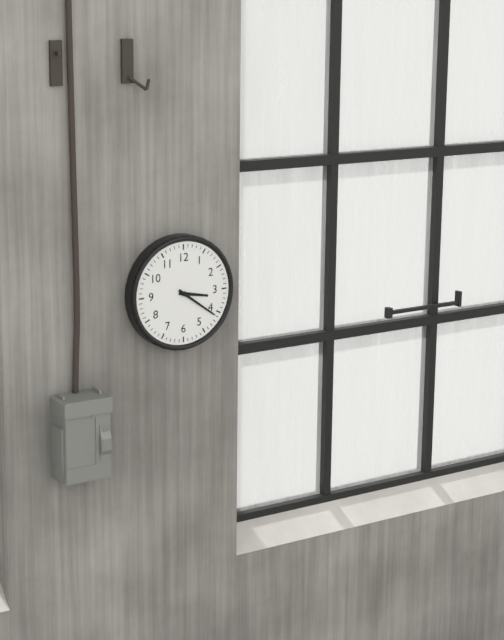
3.21
